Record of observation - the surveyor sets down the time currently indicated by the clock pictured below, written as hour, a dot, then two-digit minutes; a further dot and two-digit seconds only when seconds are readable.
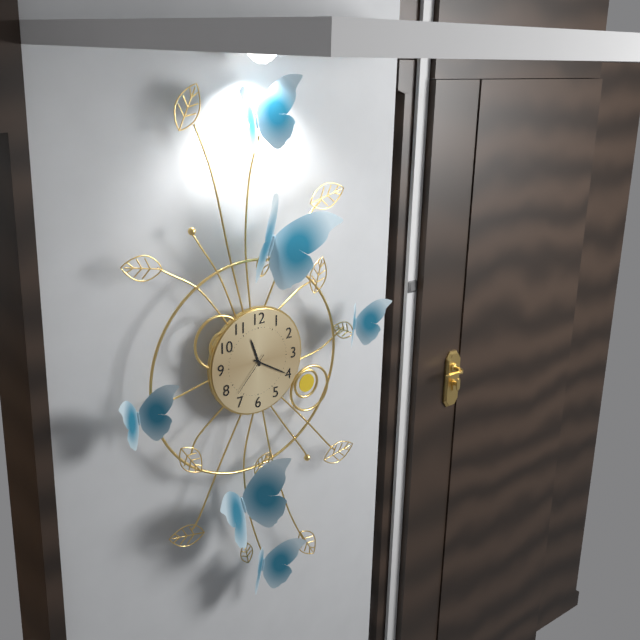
11.20
